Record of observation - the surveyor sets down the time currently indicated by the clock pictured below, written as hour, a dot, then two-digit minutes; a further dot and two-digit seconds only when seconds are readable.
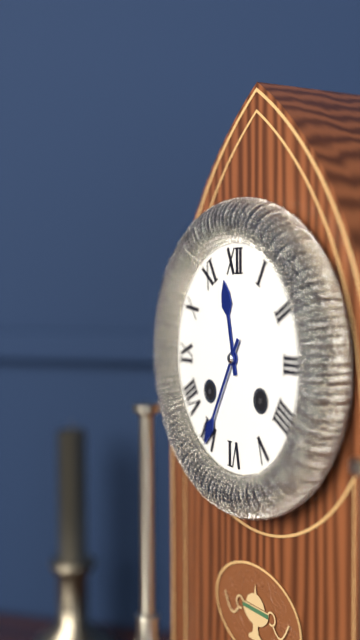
11.35
